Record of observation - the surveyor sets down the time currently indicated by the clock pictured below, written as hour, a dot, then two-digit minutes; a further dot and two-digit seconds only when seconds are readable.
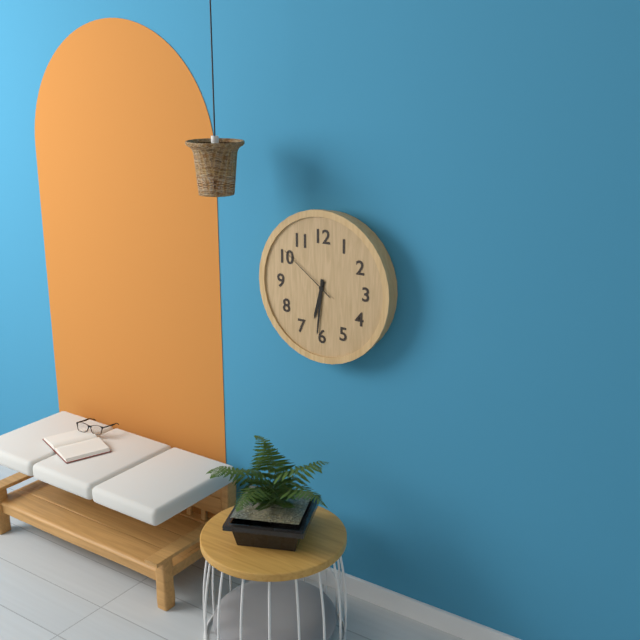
6.31.51
